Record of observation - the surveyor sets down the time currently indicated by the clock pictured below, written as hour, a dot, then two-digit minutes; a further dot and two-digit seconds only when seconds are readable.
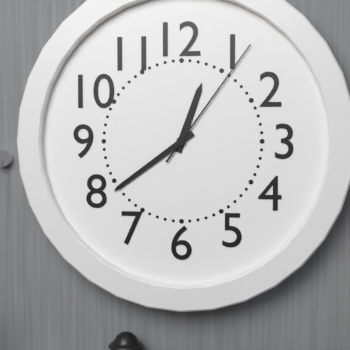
12.39.06
